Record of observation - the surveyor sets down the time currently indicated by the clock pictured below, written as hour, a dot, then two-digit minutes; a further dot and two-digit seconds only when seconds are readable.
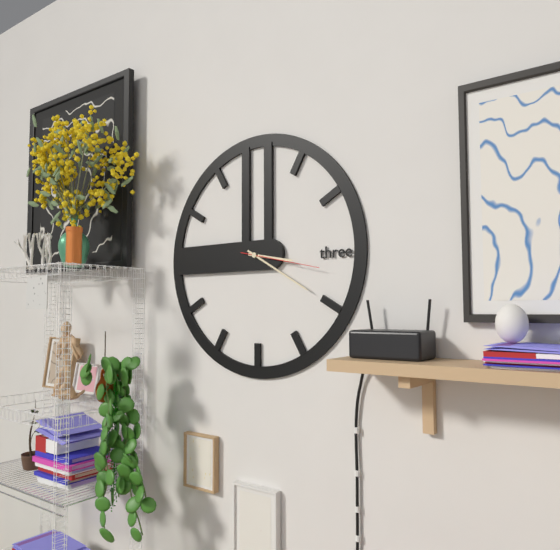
3.20.17
